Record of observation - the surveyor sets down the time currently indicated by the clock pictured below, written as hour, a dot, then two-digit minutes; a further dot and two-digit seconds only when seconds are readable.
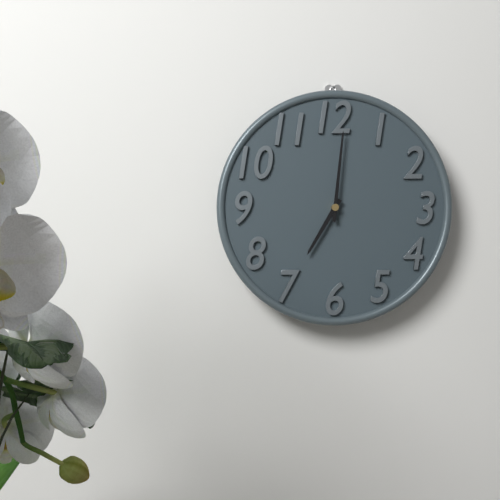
7.01
